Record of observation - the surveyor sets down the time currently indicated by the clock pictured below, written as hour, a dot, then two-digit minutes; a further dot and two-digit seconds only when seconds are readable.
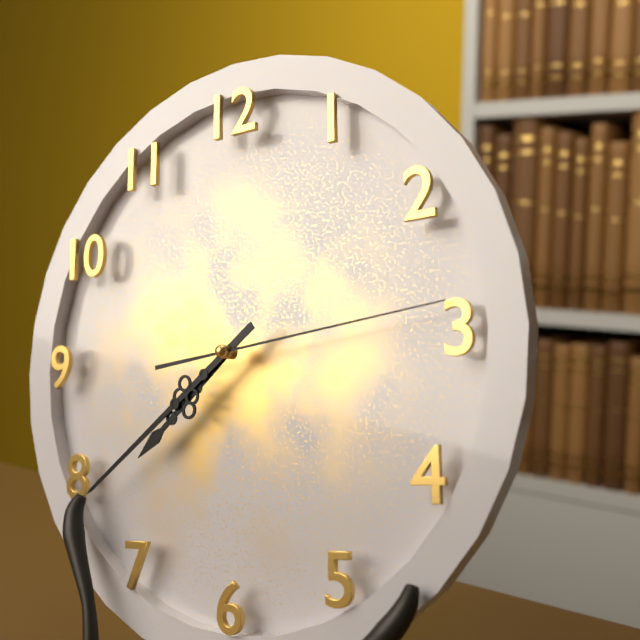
7.39.14
